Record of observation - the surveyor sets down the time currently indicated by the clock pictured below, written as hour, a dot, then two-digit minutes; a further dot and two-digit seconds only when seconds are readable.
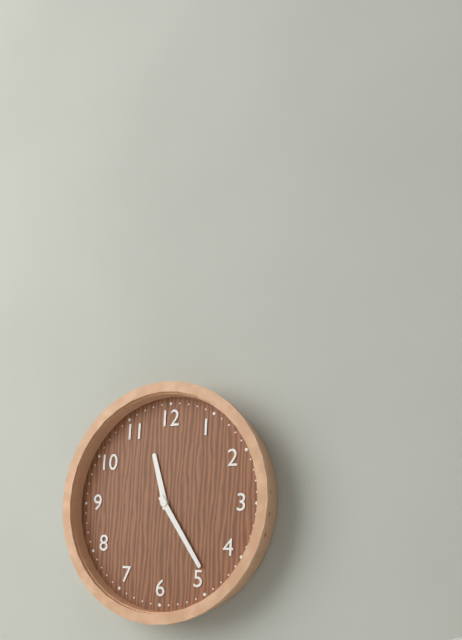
11.24
